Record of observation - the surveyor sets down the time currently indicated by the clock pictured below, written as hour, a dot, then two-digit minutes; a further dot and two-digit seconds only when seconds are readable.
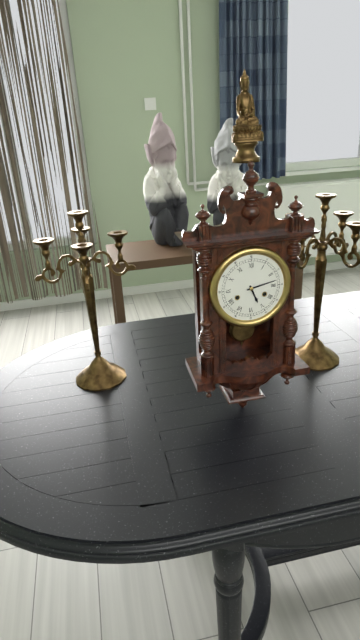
5.13
